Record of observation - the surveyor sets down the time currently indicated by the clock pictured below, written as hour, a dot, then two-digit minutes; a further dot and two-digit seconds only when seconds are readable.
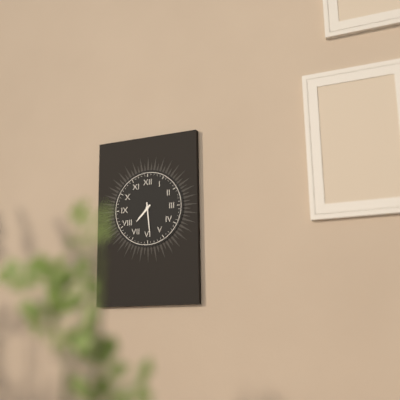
7.29
